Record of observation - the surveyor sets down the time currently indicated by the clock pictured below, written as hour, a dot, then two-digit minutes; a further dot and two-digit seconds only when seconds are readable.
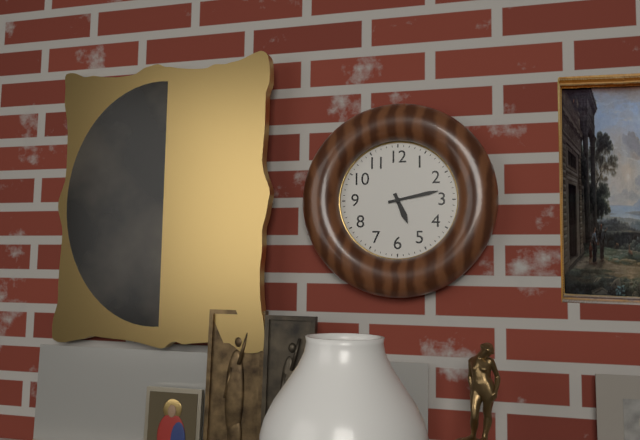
5.13
